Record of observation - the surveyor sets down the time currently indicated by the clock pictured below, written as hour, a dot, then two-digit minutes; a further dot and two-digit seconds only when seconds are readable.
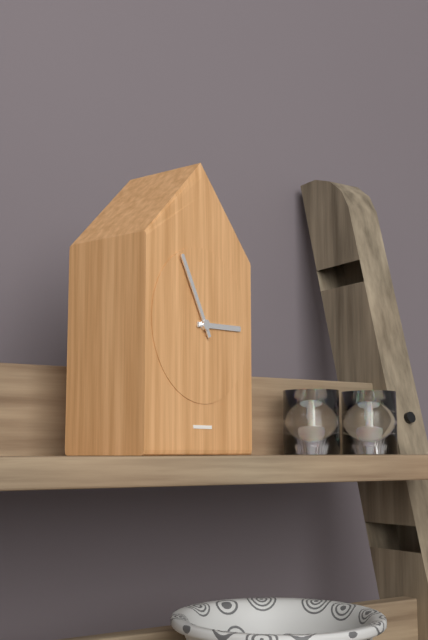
2.55
